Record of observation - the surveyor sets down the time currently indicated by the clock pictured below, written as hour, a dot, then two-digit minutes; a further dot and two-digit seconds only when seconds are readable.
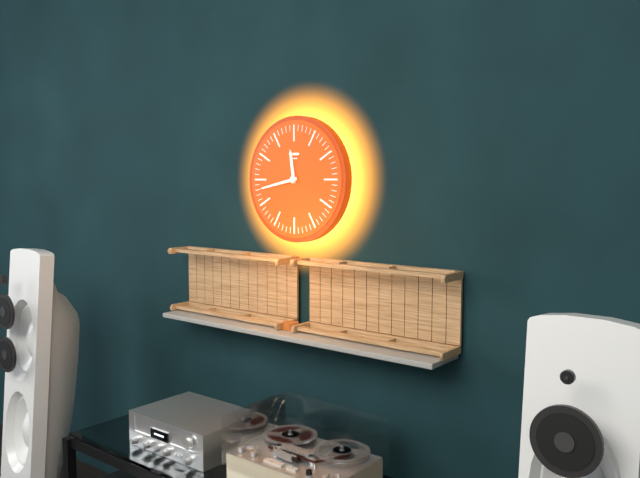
11.43
